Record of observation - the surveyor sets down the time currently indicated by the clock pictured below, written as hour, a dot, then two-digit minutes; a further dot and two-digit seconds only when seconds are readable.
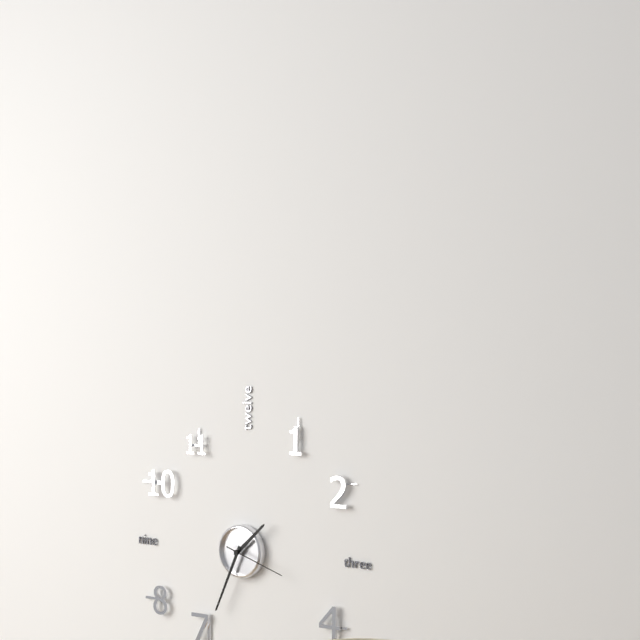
1.34.18
